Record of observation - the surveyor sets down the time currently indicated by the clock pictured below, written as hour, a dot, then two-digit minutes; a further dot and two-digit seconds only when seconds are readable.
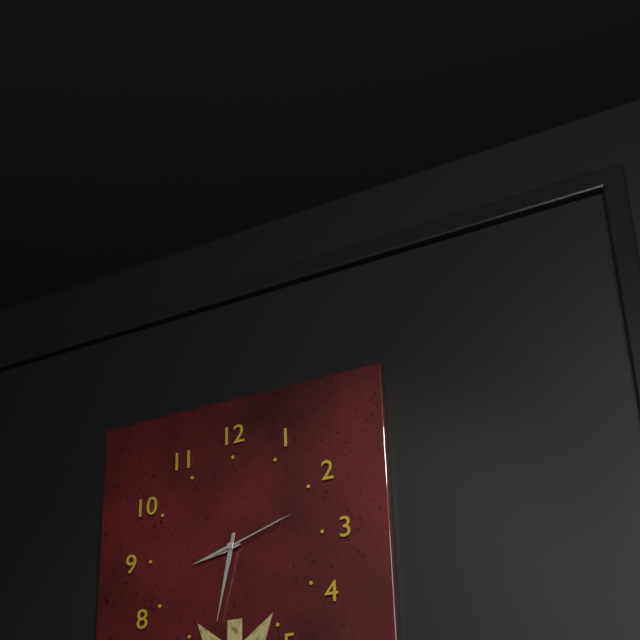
8.32.12
